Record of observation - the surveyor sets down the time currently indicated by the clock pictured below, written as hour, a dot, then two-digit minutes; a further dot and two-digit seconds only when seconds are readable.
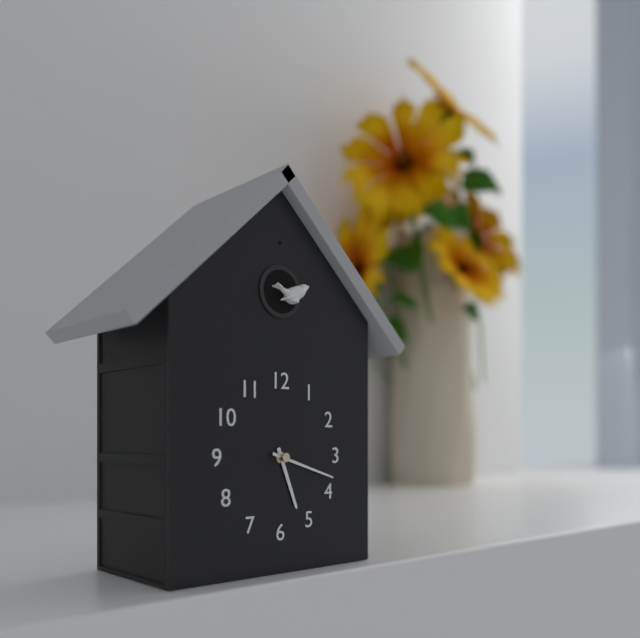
5.18
